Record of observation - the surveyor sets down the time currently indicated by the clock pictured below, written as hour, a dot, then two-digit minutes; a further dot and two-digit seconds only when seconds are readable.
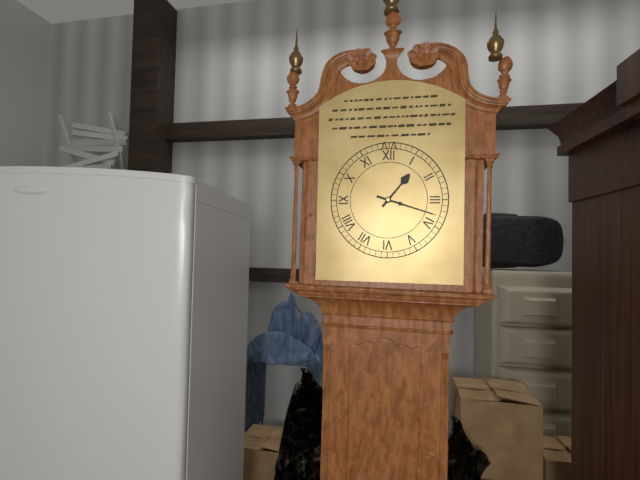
1.18
